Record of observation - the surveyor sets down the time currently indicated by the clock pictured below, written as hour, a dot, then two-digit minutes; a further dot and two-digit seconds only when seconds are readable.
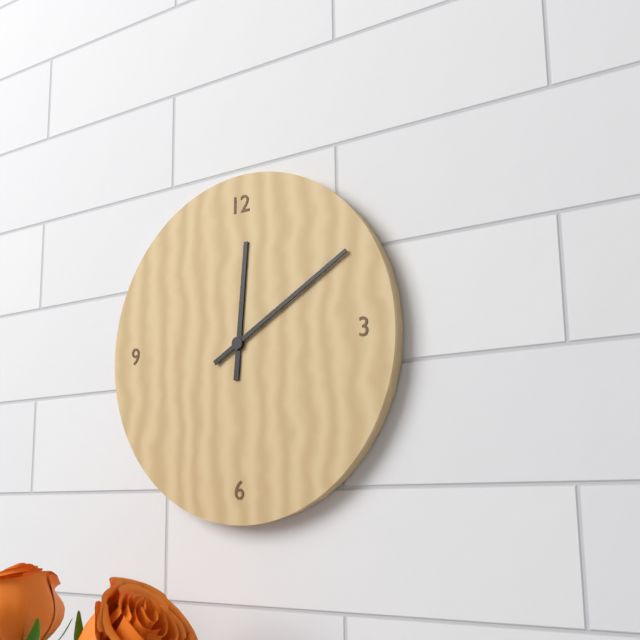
12.10
